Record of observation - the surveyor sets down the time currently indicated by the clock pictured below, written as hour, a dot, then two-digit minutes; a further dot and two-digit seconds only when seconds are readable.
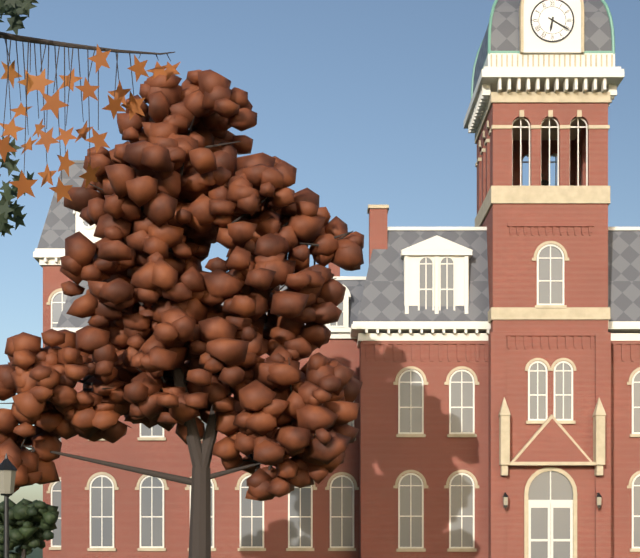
6.20
